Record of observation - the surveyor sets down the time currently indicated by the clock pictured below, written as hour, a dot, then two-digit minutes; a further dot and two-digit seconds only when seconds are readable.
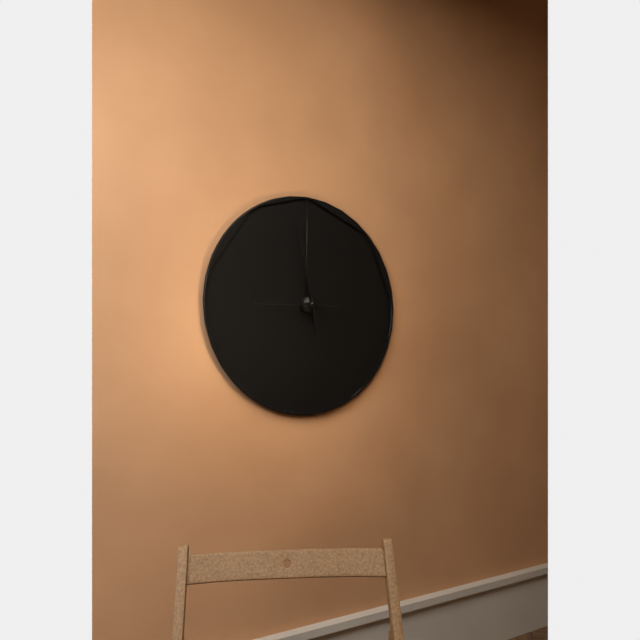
8.58
